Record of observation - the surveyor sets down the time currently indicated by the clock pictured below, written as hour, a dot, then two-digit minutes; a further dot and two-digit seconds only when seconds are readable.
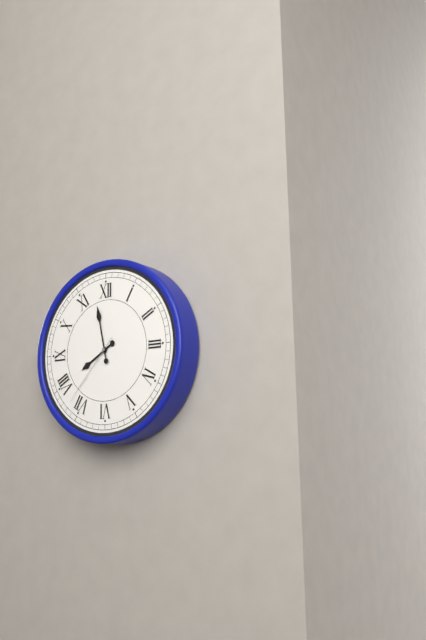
7.58.37
